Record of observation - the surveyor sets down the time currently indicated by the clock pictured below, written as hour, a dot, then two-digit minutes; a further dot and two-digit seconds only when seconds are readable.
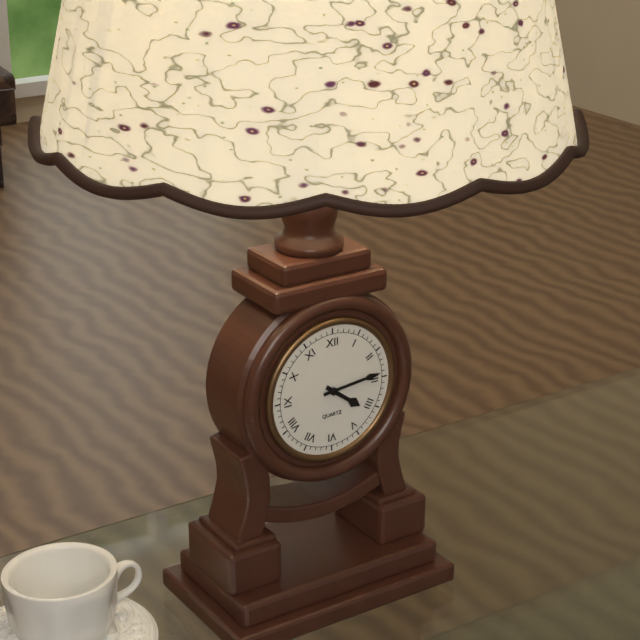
4.14
